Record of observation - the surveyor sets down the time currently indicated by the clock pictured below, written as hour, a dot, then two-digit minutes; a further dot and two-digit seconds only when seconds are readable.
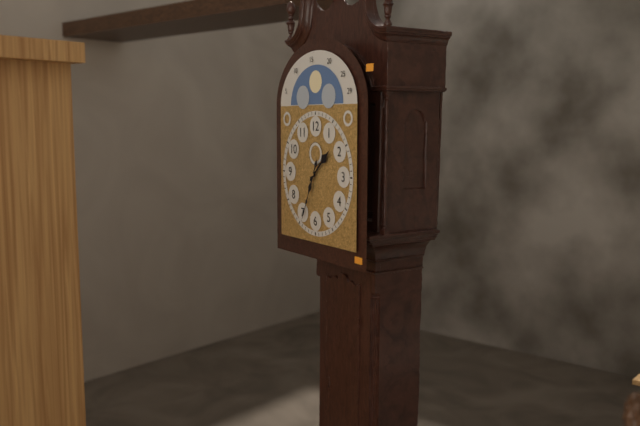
1.34
